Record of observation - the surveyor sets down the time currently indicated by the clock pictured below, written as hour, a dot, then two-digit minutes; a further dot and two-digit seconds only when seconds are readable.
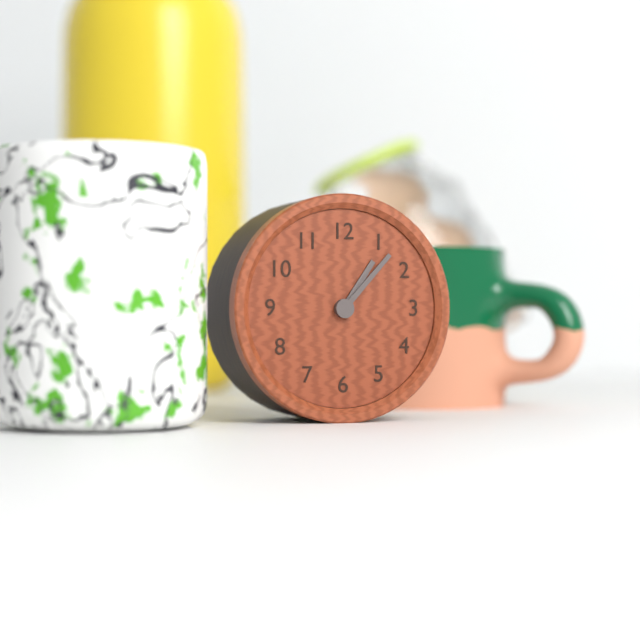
1.07
